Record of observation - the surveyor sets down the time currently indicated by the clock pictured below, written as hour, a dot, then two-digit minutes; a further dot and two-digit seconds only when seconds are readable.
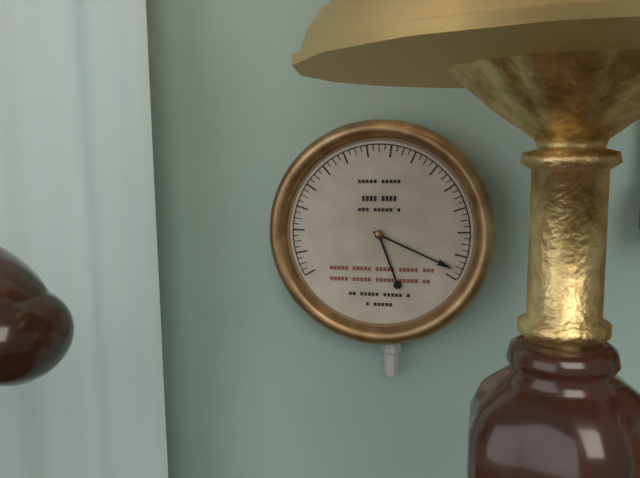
5.19
